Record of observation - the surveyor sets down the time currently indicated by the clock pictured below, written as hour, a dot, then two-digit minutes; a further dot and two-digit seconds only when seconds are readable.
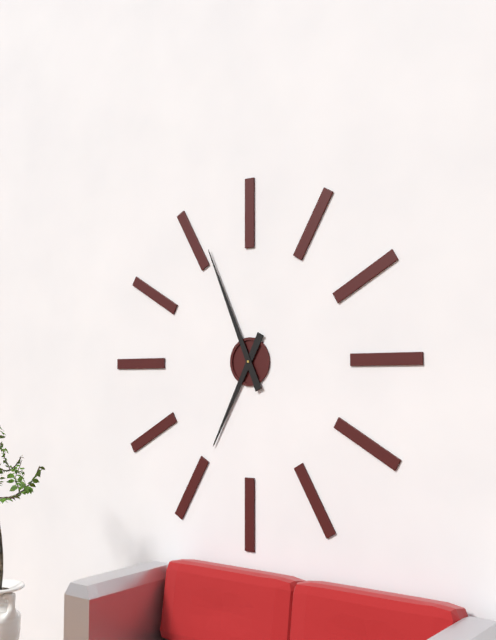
6.56
